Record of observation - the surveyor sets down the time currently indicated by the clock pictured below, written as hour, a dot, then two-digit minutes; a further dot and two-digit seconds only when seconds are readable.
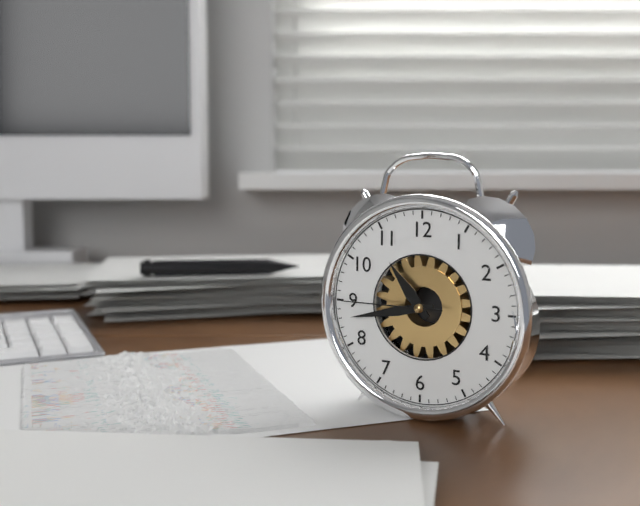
10.43.45
